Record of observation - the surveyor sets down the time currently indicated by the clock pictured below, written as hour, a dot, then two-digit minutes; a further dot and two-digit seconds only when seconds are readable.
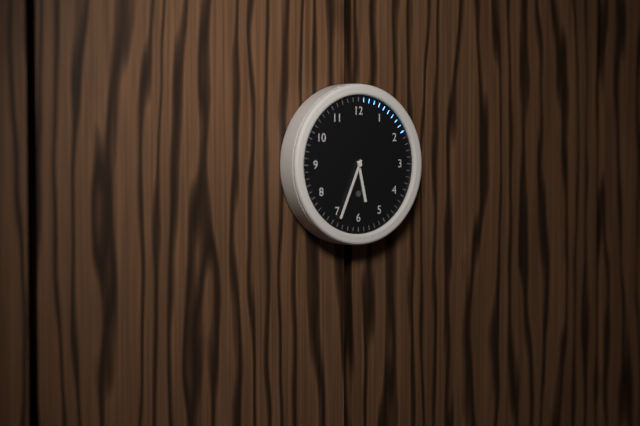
5.34
